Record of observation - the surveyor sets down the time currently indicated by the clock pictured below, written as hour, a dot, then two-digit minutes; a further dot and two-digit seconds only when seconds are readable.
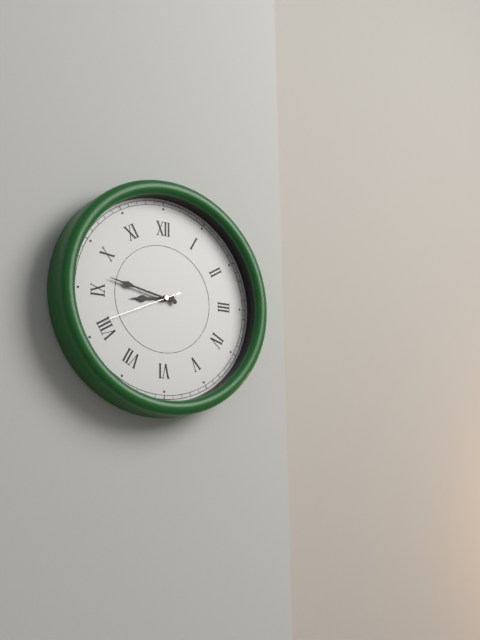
8.47.41
